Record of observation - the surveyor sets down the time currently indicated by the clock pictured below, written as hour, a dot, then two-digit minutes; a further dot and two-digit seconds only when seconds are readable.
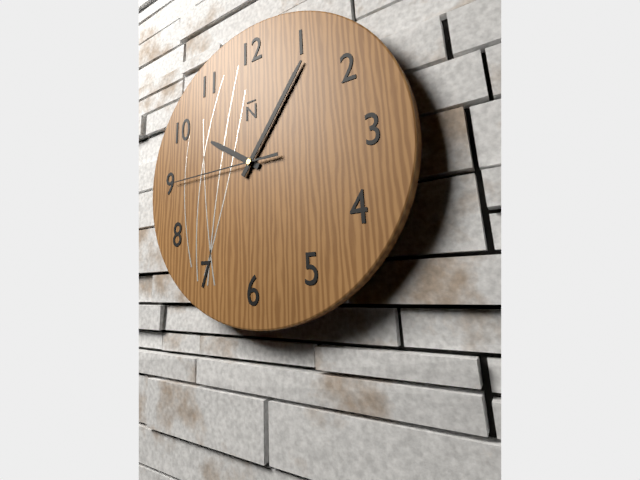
10.06.45
